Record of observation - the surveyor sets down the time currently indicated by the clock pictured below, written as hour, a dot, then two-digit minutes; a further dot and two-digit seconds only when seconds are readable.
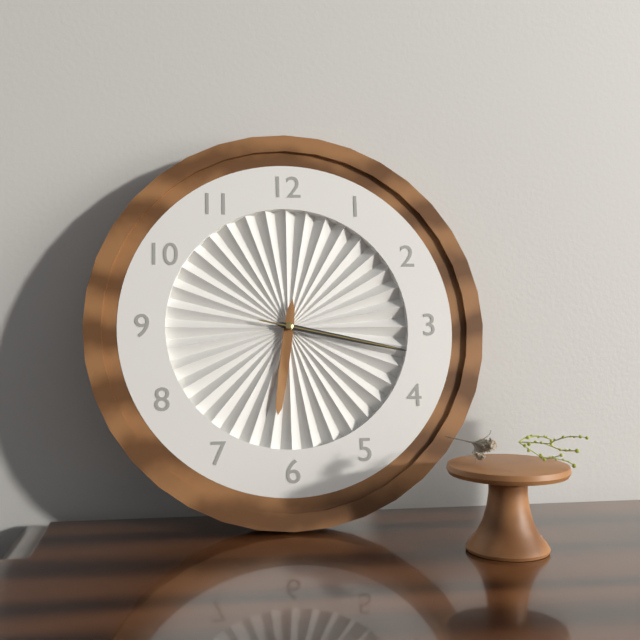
6.17.17
